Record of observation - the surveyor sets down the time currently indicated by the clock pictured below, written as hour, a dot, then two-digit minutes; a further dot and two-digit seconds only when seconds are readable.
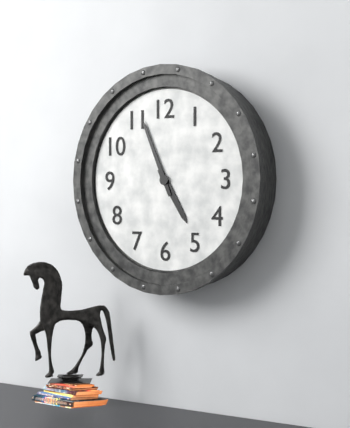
4.56
